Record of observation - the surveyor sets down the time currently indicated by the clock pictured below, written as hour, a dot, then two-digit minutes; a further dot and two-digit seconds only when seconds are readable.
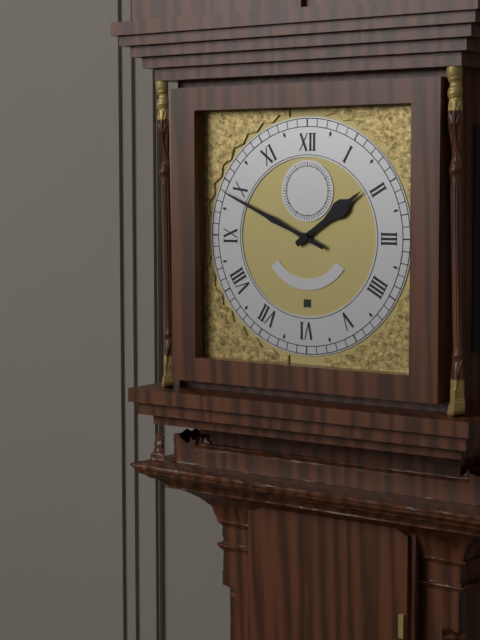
1.49
